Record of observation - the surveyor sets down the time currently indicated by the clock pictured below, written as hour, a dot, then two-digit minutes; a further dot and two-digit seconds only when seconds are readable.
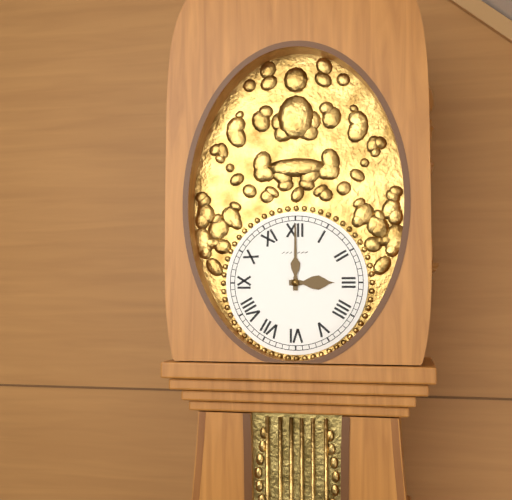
3.00
